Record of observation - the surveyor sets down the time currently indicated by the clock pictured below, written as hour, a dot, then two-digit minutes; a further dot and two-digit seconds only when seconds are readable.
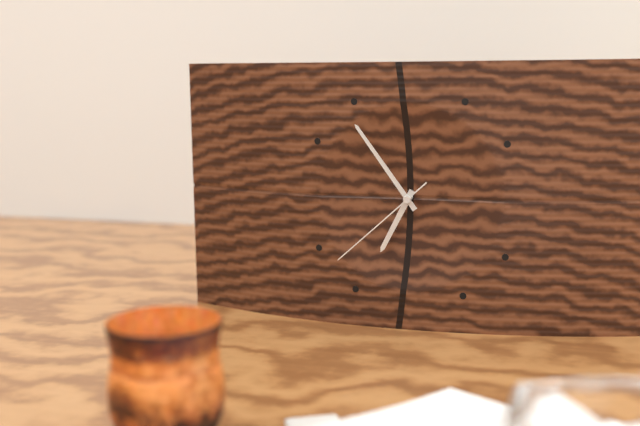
6.54.38
